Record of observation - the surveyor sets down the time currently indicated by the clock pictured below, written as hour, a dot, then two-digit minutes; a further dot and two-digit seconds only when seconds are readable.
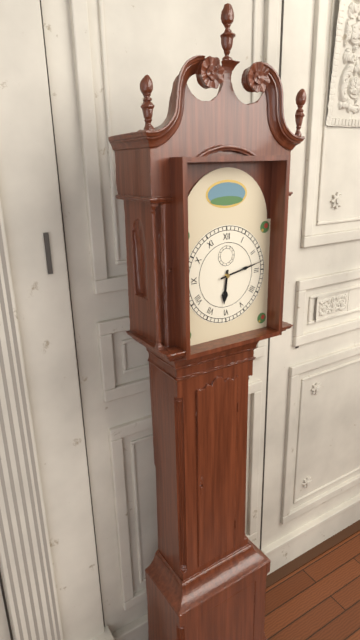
6.13
